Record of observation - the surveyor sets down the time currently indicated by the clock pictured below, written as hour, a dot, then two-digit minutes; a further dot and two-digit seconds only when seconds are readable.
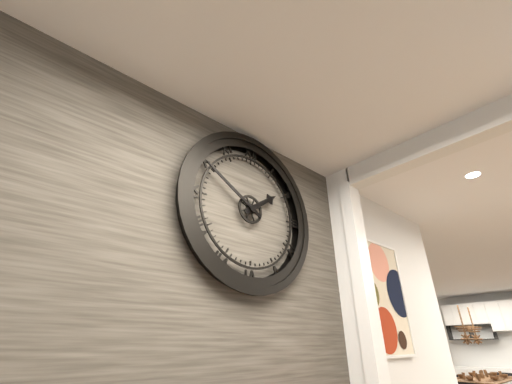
1.50
